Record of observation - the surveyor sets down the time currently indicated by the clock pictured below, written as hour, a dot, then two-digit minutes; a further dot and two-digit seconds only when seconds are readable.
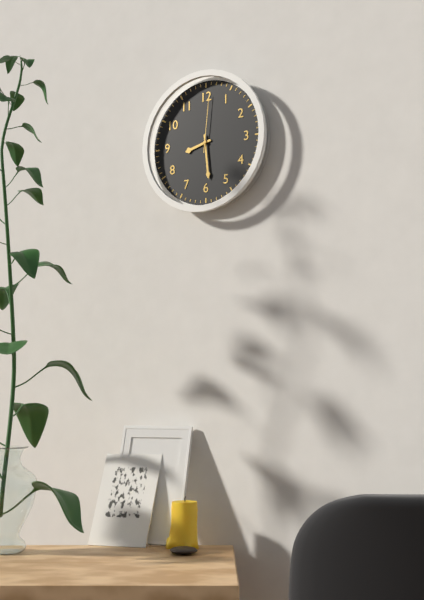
8.29.01
